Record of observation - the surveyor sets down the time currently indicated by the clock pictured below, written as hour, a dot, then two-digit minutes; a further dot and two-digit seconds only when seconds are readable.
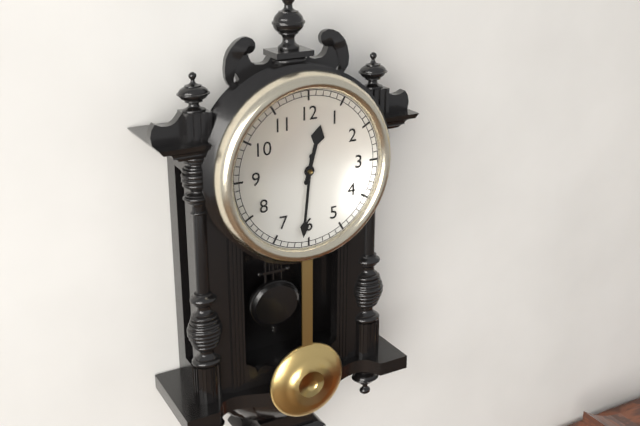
12.31
